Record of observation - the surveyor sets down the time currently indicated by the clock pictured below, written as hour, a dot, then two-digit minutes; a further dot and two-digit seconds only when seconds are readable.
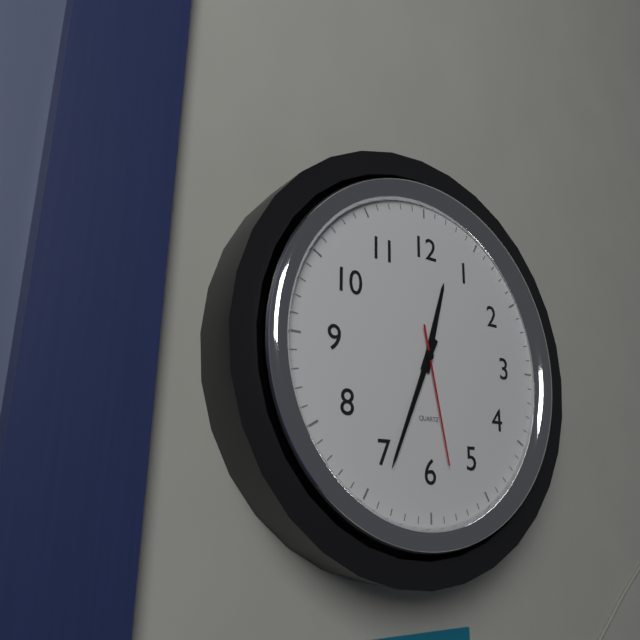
12.34.28
